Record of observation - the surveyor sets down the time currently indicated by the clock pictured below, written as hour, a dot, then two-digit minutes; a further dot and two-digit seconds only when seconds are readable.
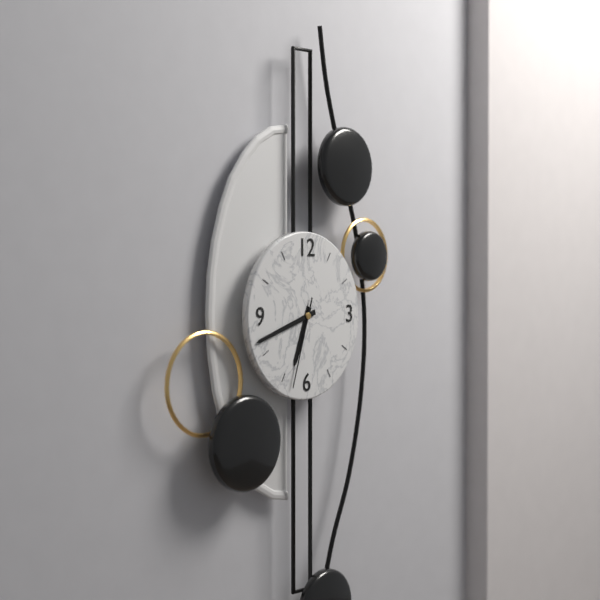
6.42.33
